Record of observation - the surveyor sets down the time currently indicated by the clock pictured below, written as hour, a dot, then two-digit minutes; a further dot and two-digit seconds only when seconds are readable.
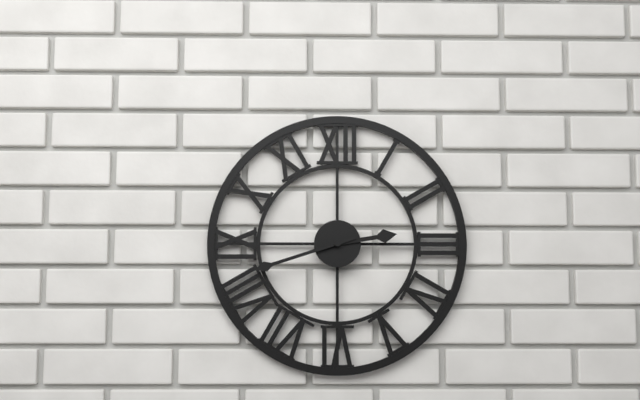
2.42
